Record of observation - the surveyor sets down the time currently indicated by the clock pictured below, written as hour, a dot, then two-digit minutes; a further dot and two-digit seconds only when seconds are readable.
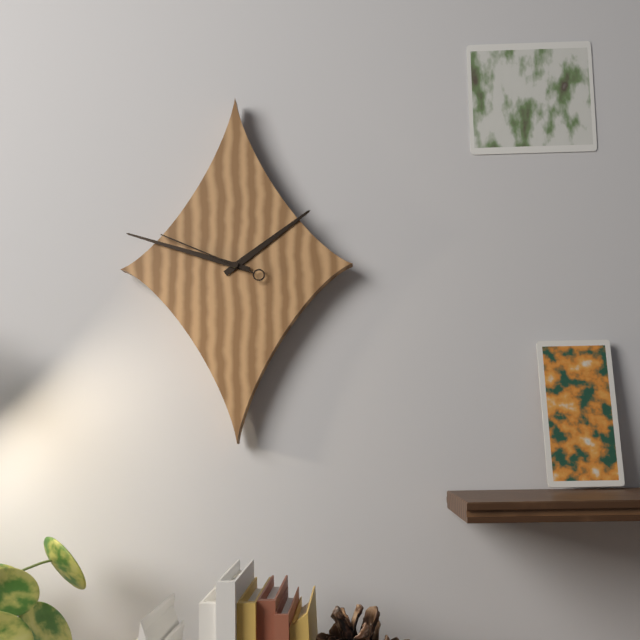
1.48.49
